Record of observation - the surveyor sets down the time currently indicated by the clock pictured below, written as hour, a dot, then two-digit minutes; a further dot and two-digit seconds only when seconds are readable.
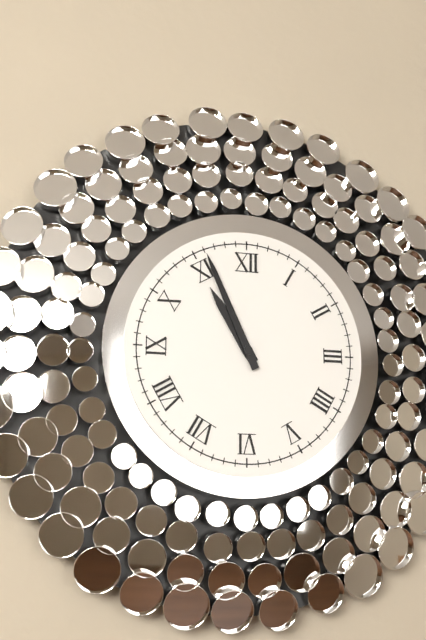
10.56
